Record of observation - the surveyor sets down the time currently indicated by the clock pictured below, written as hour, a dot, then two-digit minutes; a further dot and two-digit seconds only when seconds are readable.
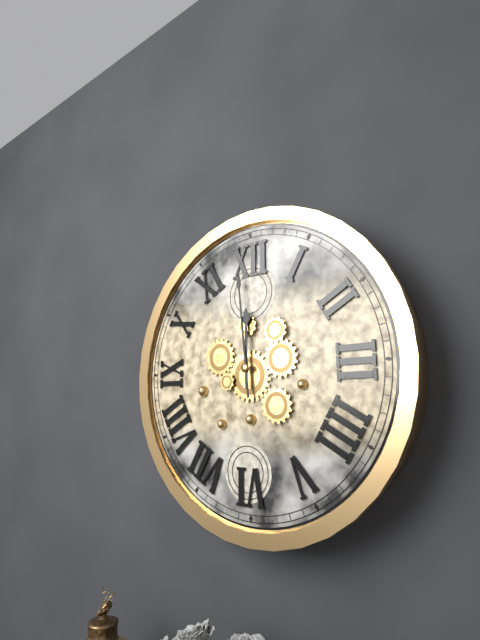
11.59
